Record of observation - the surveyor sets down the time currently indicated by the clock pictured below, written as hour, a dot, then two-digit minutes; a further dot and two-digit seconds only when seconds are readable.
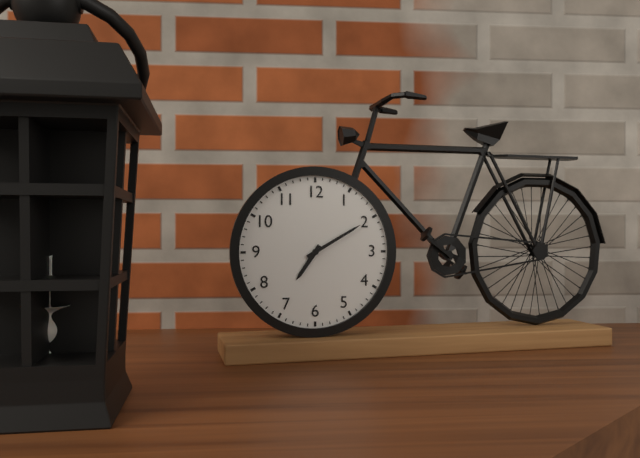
7.10
